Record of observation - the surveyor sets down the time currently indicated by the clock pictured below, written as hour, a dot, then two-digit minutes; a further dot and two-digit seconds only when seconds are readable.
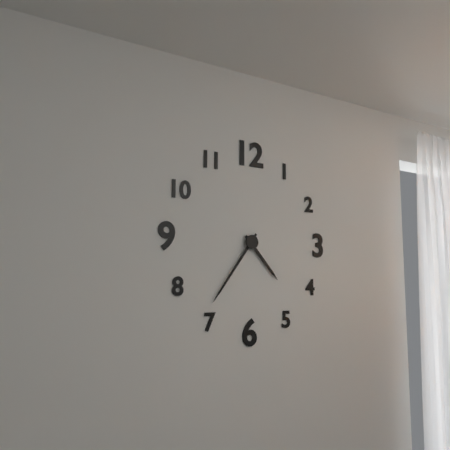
4.36
